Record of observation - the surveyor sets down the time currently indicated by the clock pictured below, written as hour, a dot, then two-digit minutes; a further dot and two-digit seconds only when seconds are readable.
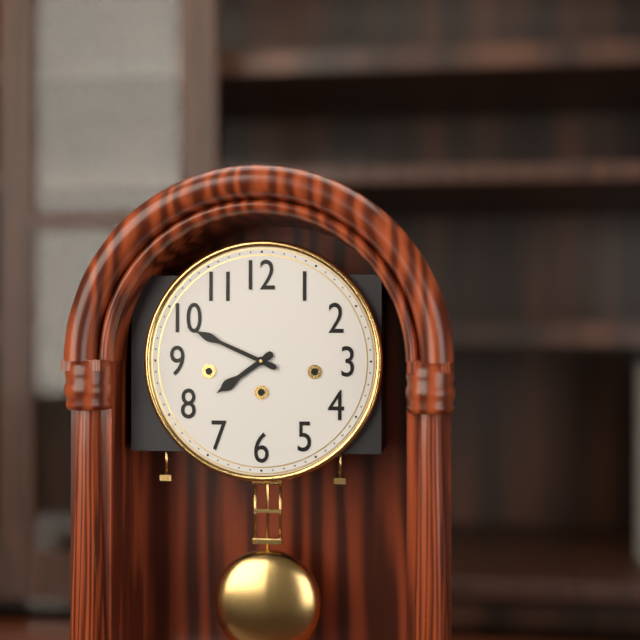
7.49
